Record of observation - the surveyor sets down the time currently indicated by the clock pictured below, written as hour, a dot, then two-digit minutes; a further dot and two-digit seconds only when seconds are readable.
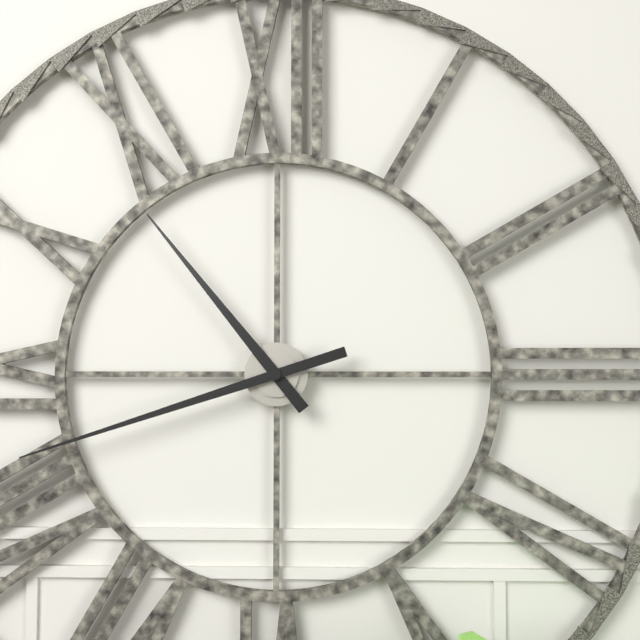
10.42
